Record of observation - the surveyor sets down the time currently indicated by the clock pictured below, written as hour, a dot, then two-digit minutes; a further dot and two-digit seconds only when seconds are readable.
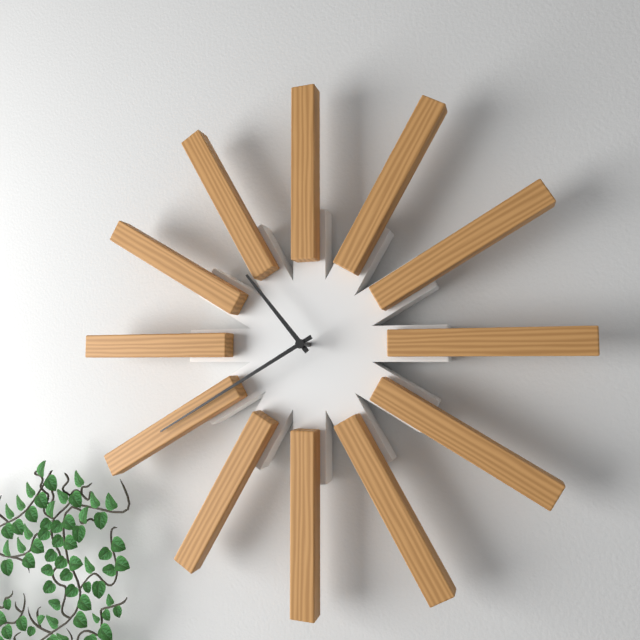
10.40
